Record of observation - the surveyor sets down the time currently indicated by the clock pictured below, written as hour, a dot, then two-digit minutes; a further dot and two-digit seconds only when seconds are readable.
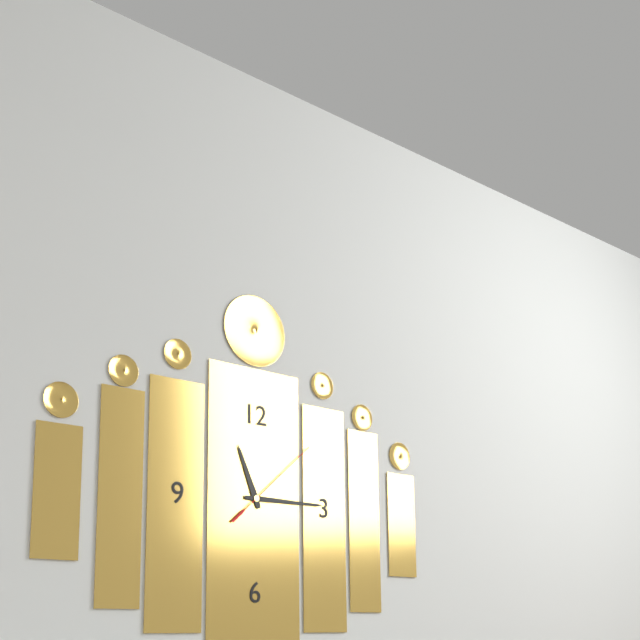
11.15.08
